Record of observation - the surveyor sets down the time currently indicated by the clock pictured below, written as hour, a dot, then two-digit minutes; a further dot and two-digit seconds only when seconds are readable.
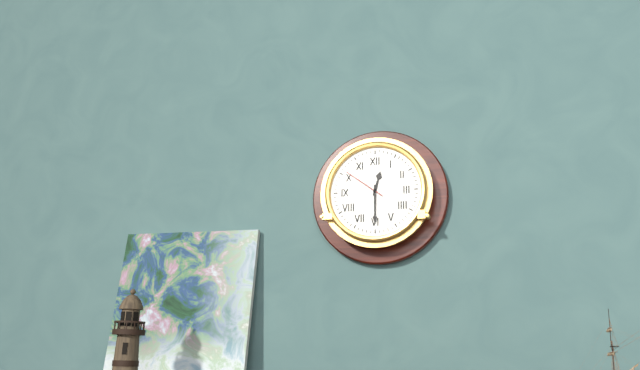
12.30
